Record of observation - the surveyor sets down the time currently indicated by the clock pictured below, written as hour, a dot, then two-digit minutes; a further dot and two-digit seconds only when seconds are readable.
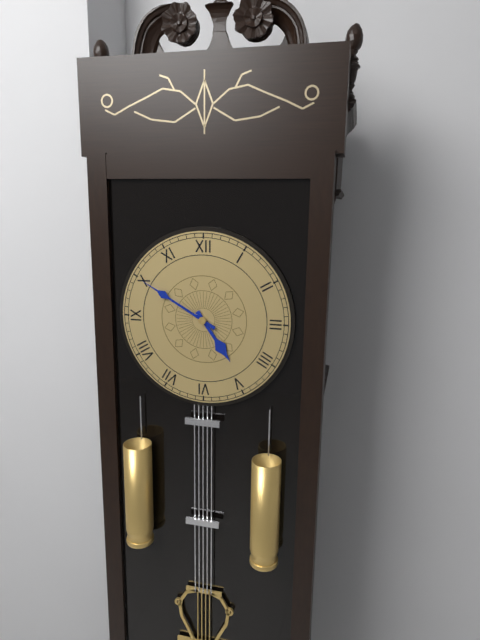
4.50
